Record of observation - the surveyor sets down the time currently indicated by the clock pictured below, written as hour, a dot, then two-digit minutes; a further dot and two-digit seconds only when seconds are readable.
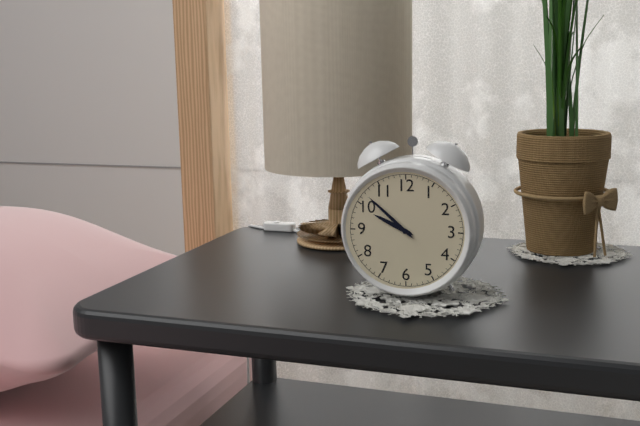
9.52
